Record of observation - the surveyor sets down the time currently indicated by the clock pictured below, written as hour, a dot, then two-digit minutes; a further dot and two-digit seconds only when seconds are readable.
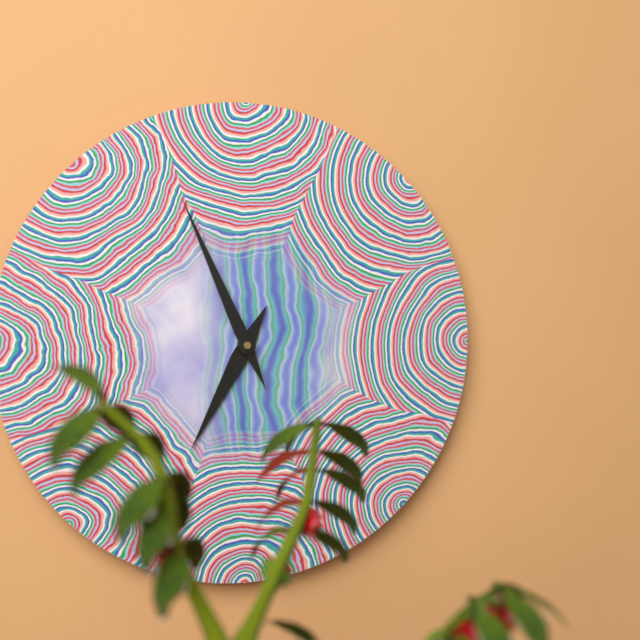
6.56
